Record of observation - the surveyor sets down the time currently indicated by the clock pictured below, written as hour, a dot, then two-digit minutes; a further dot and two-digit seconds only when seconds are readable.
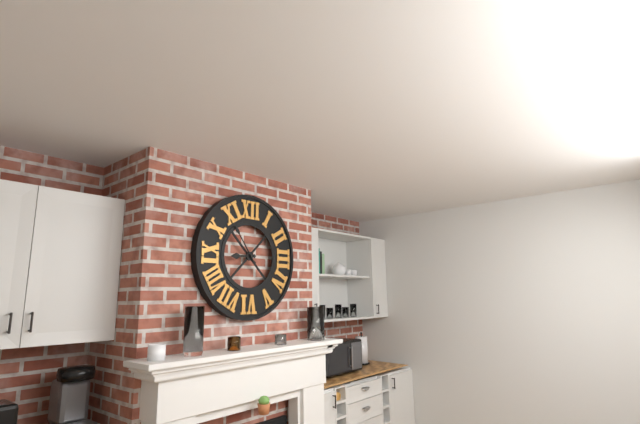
8.54
